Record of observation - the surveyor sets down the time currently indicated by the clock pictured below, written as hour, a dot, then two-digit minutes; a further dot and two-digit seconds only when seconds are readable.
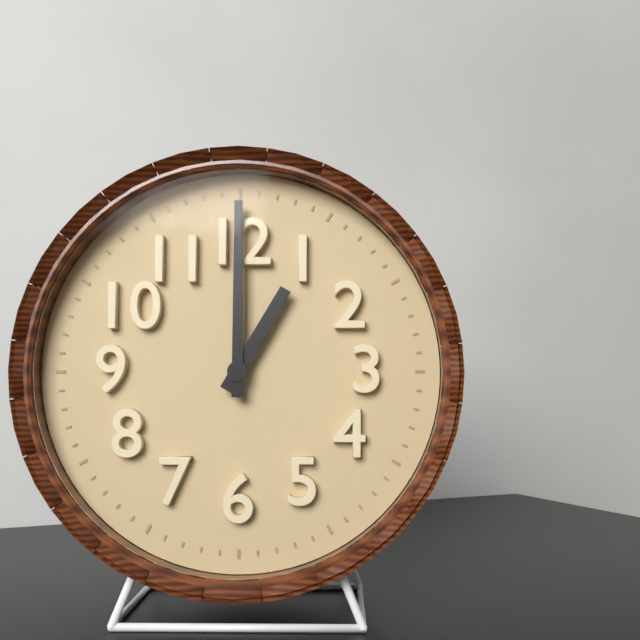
1.00
